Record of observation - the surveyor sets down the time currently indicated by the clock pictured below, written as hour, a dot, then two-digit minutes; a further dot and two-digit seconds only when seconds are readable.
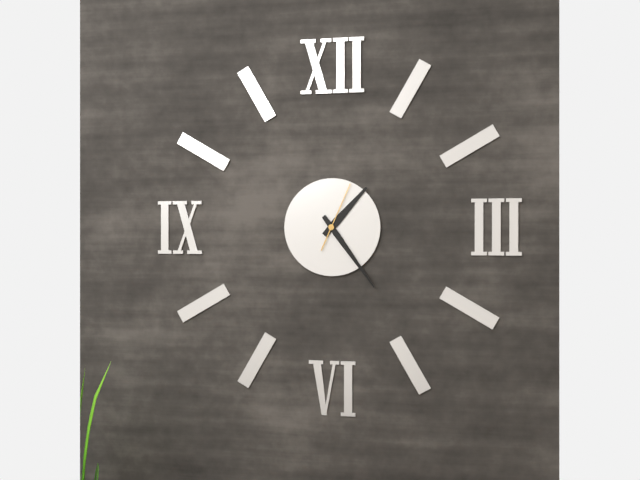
1.24.04
